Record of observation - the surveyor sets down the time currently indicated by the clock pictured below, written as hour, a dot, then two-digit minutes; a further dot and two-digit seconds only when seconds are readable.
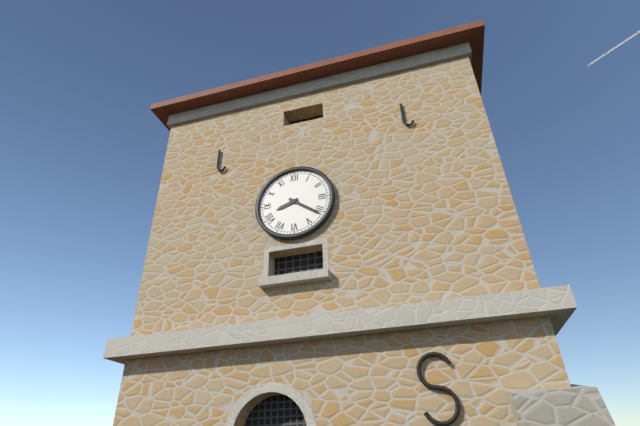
8.21
